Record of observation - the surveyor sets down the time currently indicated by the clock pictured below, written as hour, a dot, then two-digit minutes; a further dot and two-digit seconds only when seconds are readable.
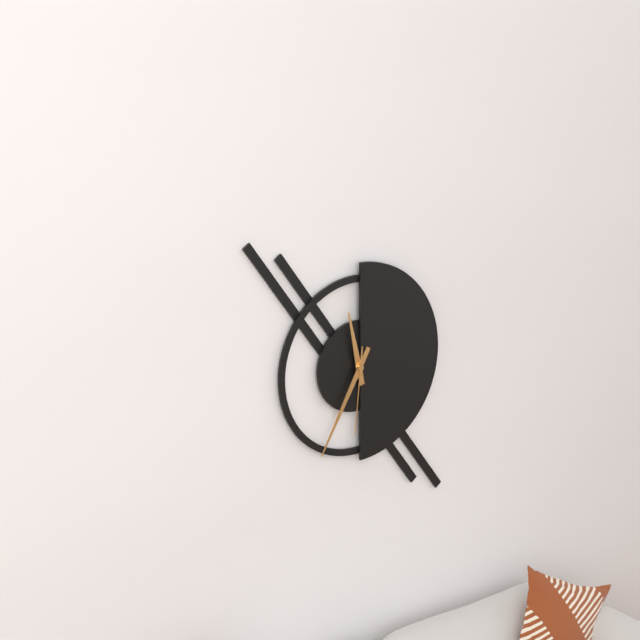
11.35.31
